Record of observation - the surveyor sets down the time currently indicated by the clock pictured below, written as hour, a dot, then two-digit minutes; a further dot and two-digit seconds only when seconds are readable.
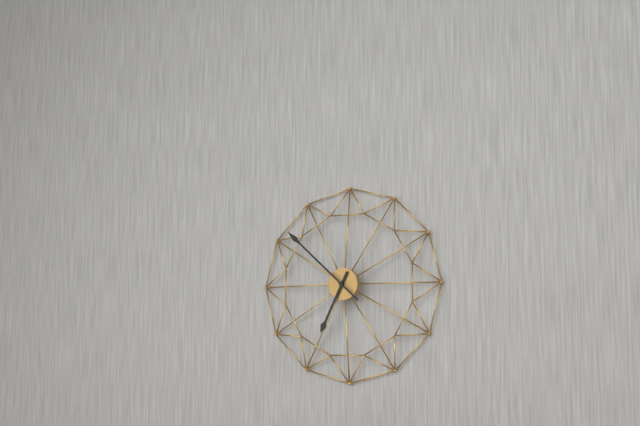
6.52
